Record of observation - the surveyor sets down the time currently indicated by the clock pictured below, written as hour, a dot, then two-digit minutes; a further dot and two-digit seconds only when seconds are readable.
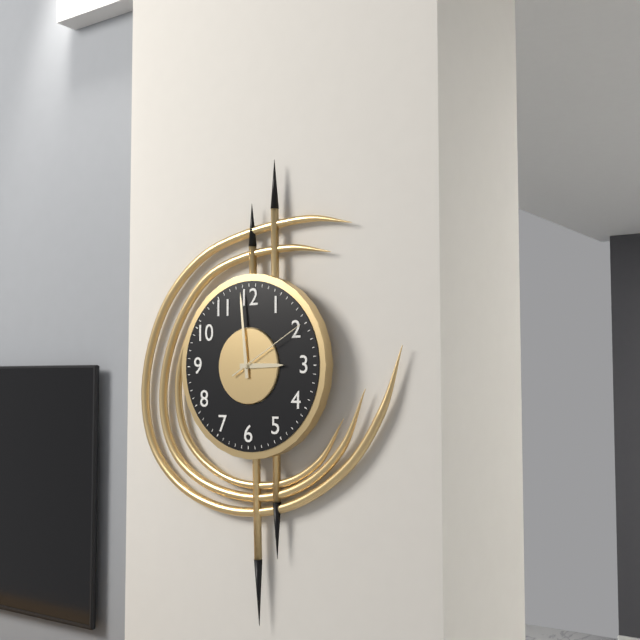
2.59.10
